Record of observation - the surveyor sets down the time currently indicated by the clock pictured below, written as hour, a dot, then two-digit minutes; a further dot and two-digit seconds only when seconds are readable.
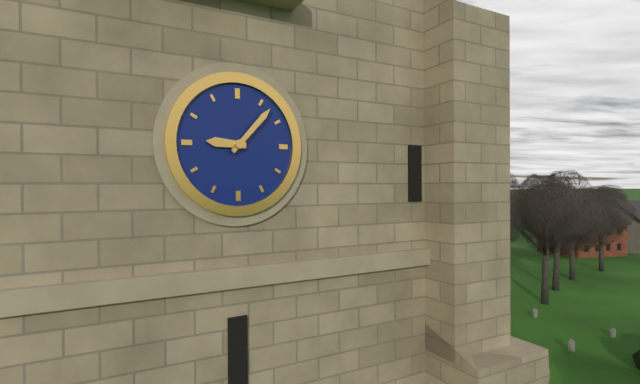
9.07
